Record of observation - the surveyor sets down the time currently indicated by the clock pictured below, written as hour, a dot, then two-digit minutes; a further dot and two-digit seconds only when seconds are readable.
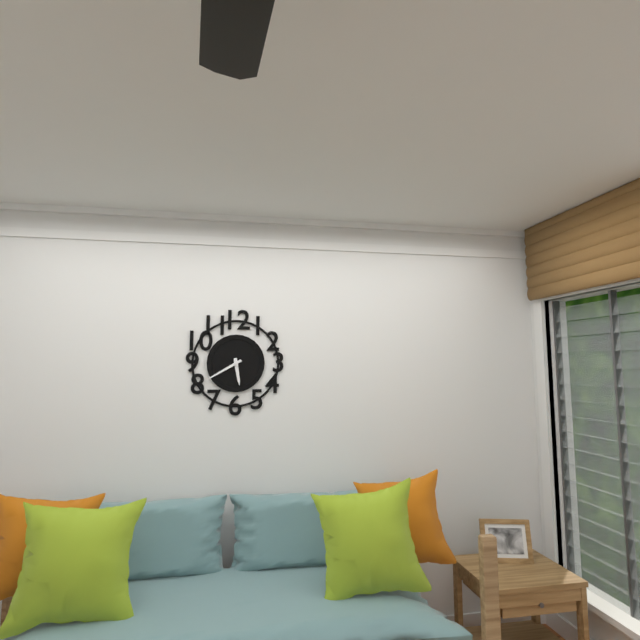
5.40
